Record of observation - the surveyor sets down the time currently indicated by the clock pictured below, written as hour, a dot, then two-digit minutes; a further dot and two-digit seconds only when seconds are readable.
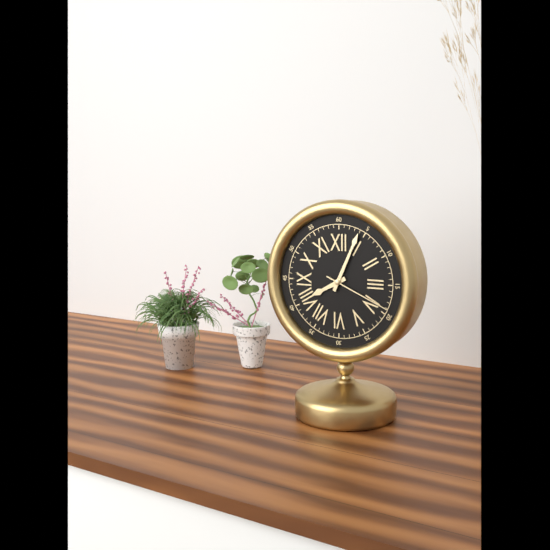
8.04.19
